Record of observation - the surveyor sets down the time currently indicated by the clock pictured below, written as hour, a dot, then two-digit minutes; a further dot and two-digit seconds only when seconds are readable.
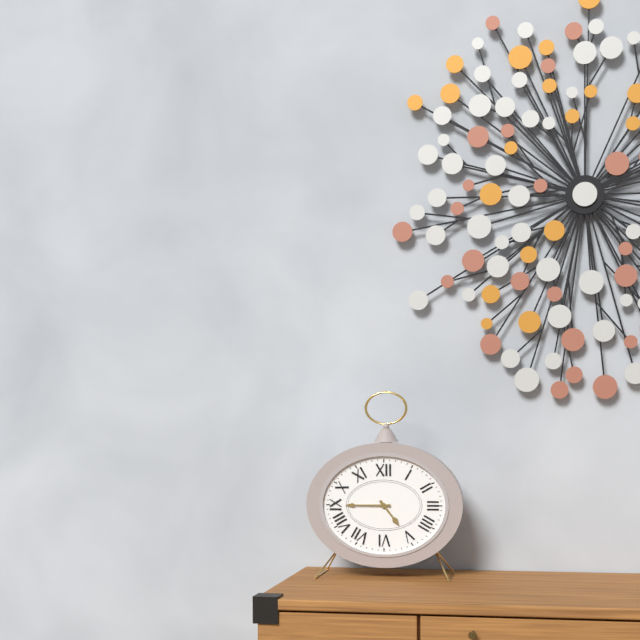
4.45
